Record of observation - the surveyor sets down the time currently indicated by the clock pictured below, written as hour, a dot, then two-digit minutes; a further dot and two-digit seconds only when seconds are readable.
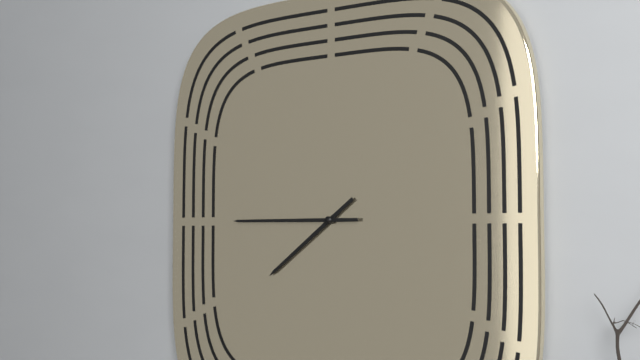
7.45
